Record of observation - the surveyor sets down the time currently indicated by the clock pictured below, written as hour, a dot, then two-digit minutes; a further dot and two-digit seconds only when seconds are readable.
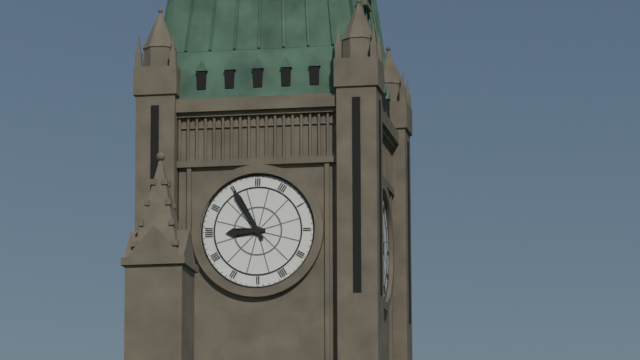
8.55
